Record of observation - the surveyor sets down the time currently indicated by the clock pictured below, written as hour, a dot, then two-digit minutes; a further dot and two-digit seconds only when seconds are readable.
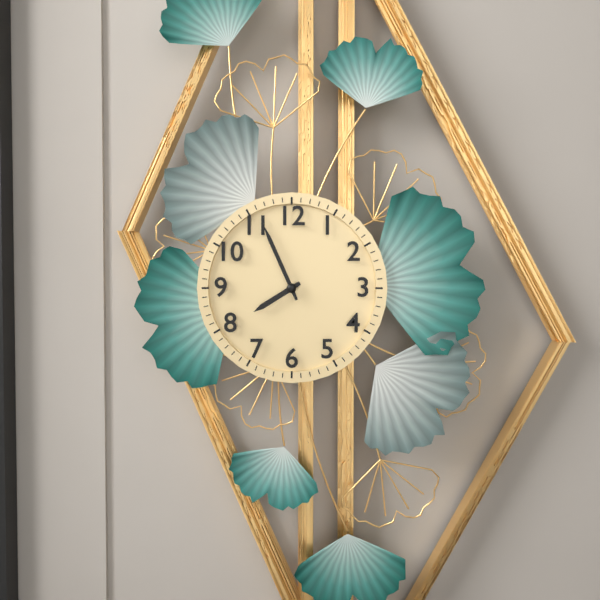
7.56
